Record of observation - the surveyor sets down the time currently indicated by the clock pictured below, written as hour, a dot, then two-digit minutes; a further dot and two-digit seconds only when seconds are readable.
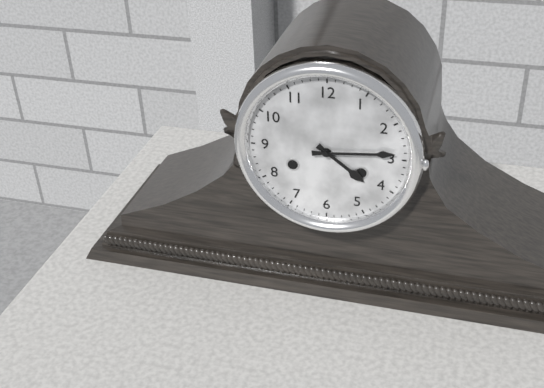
4.14
